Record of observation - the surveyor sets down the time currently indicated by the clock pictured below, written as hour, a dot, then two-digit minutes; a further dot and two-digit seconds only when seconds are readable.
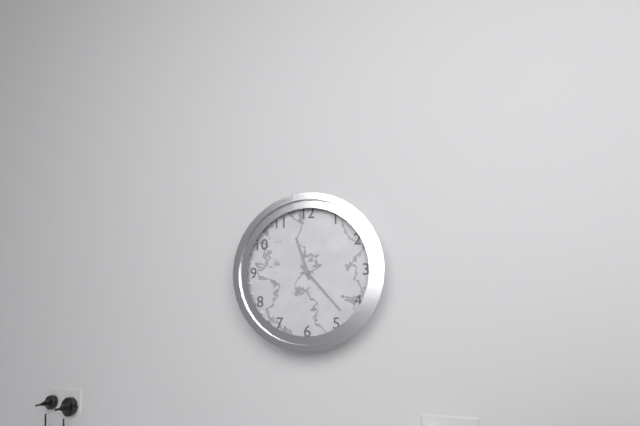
11.23
